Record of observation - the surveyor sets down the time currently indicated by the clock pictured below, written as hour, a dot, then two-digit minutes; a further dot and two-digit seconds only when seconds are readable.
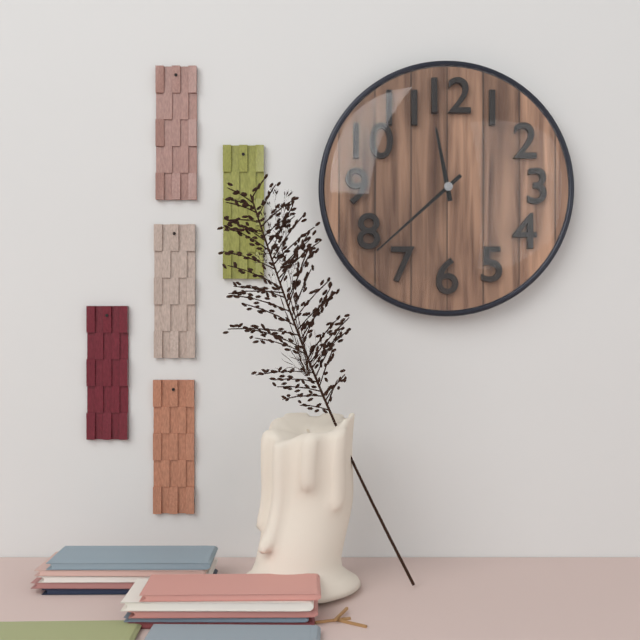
11.38
